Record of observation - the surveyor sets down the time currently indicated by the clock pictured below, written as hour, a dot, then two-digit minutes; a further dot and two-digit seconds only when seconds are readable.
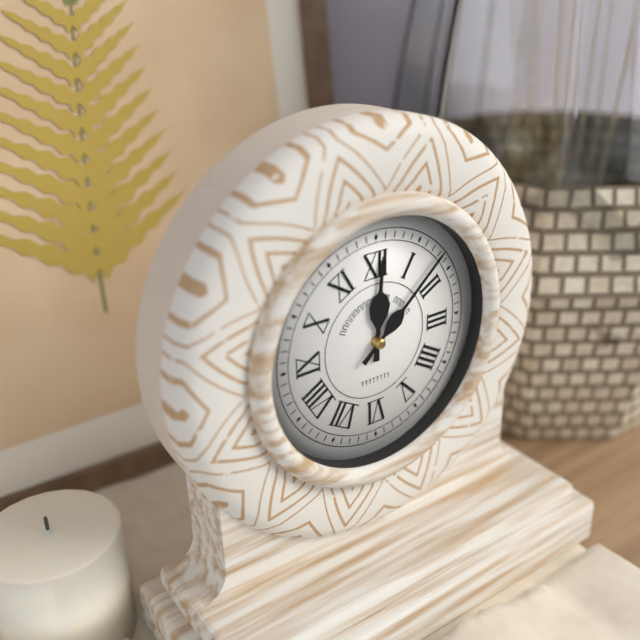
12.08
